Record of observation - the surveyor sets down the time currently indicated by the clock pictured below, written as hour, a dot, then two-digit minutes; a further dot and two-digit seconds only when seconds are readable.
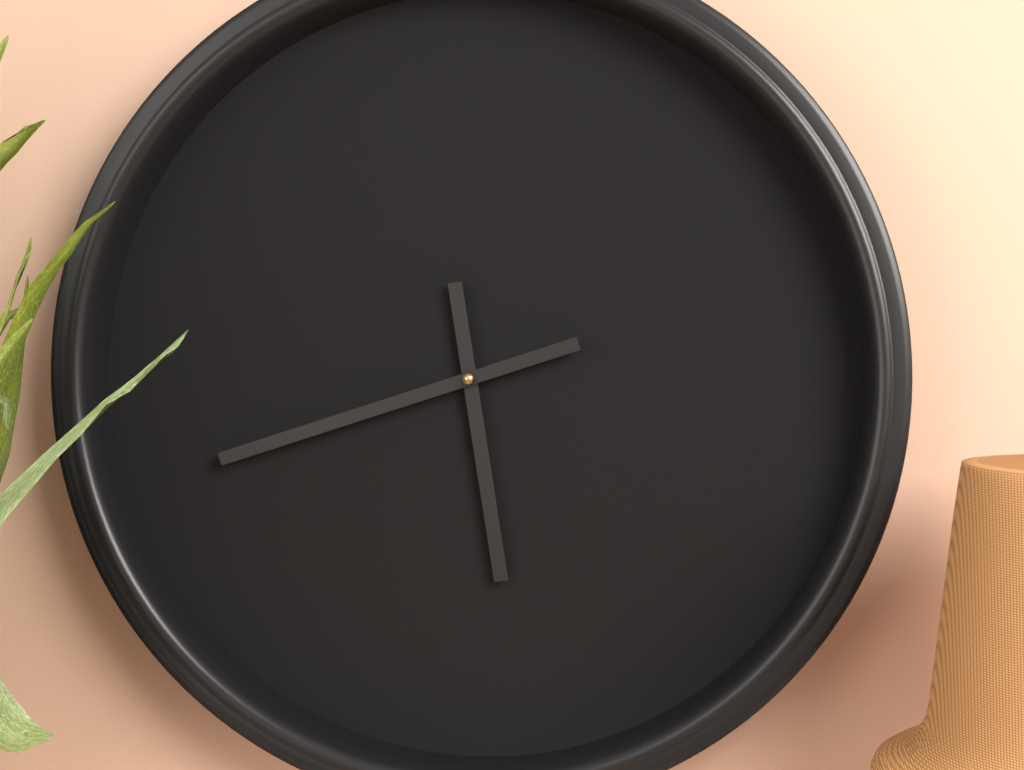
5.42
